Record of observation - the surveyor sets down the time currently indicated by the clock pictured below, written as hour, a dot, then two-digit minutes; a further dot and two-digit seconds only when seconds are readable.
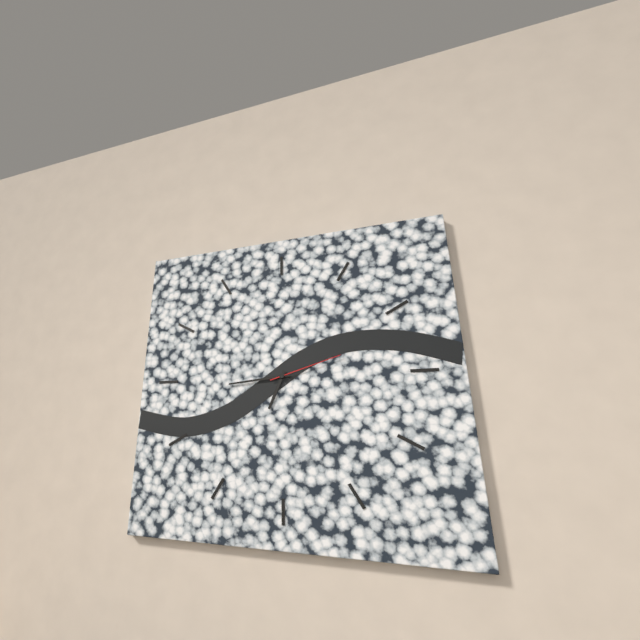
6.44.12
